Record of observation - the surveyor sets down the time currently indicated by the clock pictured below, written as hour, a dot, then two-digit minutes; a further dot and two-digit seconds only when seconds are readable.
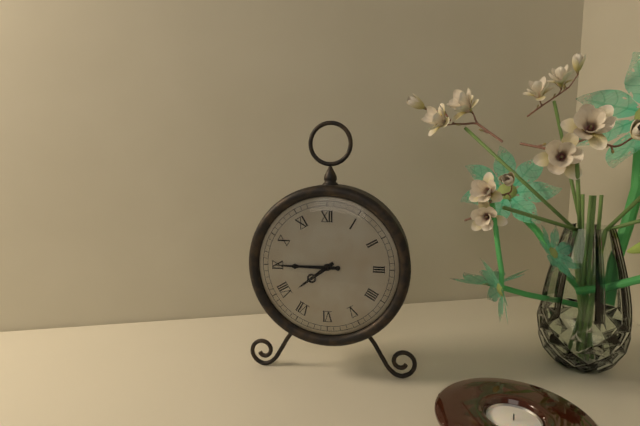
7.45
